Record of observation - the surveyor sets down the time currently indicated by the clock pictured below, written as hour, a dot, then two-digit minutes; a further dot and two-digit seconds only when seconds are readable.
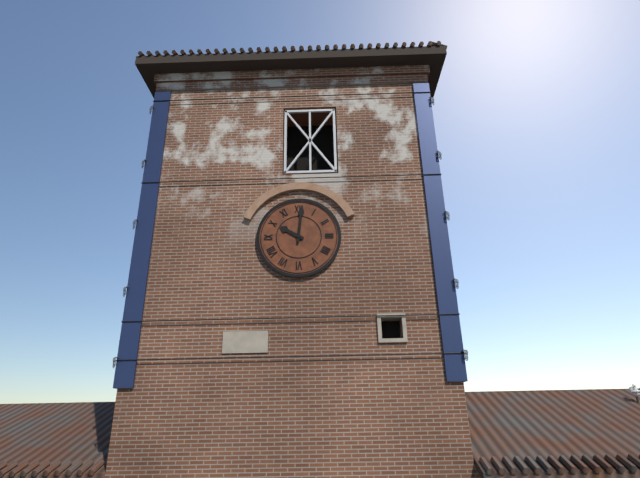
10.01
